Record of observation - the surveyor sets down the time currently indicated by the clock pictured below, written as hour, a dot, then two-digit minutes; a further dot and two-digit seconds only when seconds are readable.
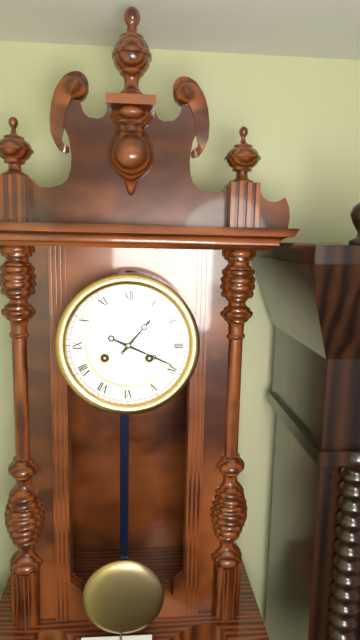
1.19
